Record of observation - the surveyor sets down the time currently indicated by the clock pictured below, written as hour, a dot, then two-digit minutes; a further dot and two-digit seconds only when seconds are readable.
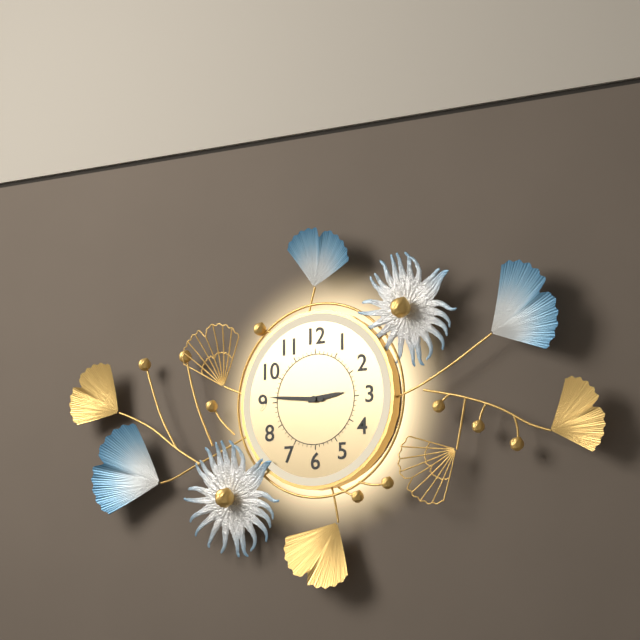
2.46
